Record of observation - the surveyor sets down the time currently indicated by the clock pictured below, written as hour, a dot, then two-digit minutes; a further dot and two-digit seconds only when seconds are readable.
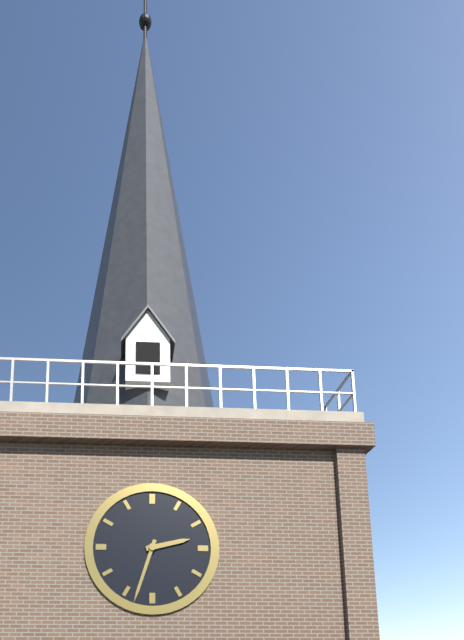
2.33
